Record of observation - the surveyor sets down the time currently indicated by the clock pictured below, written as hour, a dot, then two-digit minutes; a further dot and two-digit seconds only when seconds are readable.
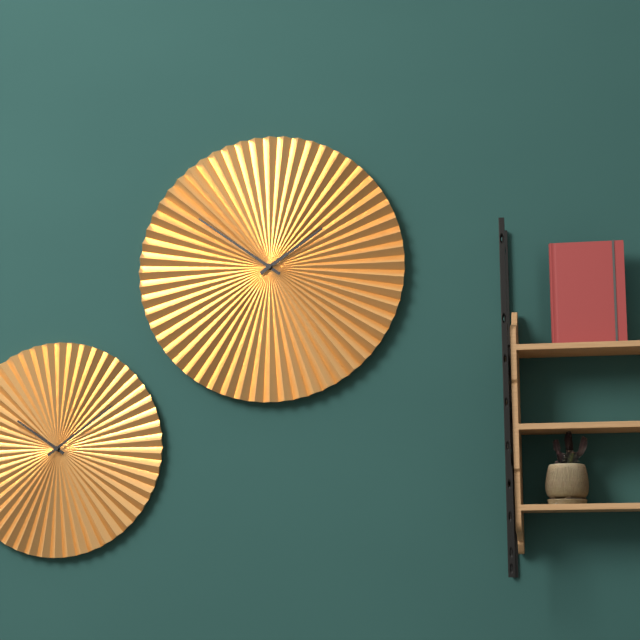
1.51
